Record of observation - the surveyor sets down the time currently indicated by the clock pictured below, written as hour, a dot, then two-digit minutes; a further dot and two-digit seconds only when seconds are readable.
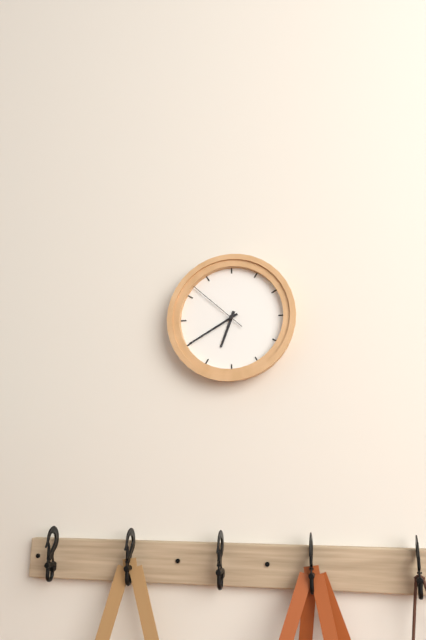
6.40.52
